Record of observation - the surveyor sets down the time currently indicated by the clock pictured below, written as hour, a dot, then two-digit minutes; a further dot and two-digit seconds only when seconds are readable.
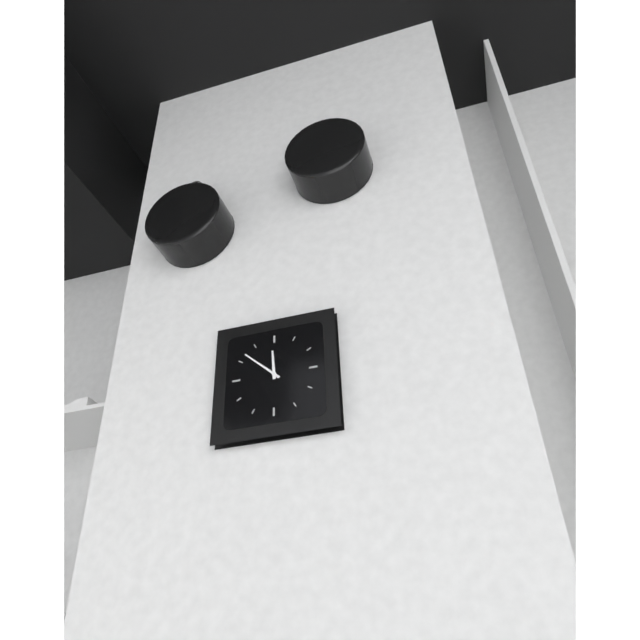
11.52
